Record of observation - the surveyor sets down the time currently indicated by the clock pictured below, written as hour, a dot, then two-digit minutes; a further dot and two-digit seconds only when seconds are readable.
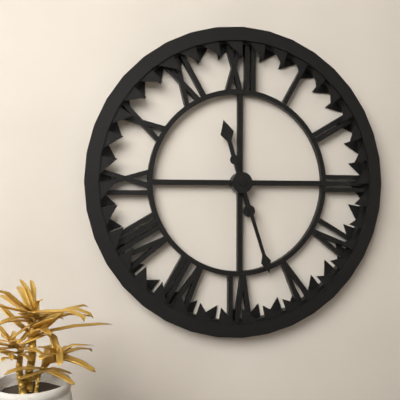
11.27
